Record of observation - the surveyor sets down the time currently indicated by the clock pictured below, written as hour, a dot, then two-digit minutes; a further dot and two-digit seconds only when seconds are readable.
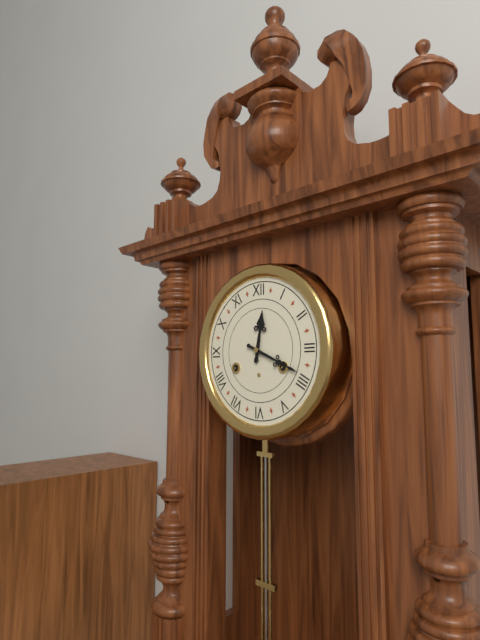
12.19
